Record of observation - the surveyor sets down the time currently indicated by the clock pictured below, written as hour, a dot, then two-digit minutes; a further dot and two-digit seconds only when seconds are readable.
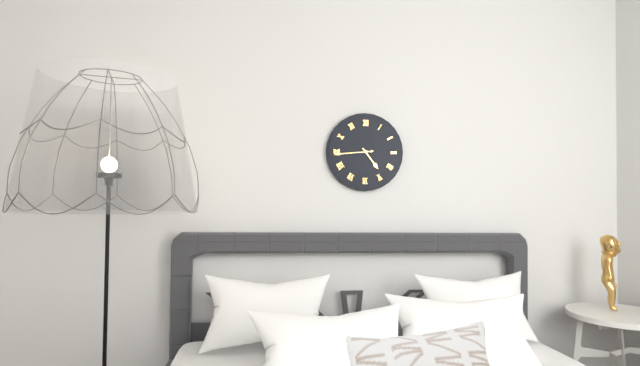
4.44
